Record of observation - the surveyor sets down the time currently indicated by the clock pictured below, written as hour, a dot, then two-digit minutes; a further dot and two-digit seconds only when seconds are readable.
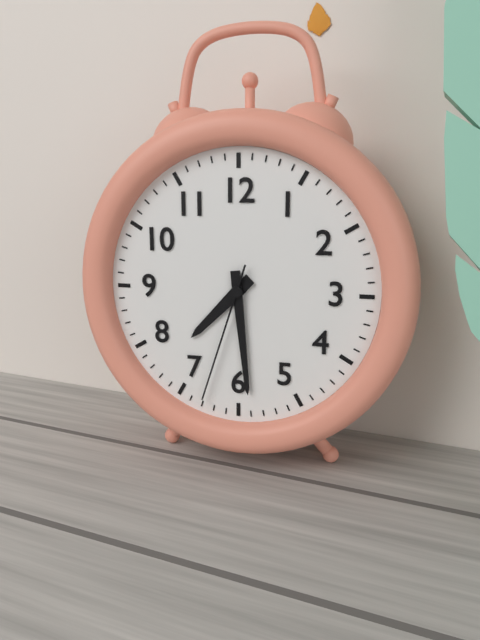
7.29.33
